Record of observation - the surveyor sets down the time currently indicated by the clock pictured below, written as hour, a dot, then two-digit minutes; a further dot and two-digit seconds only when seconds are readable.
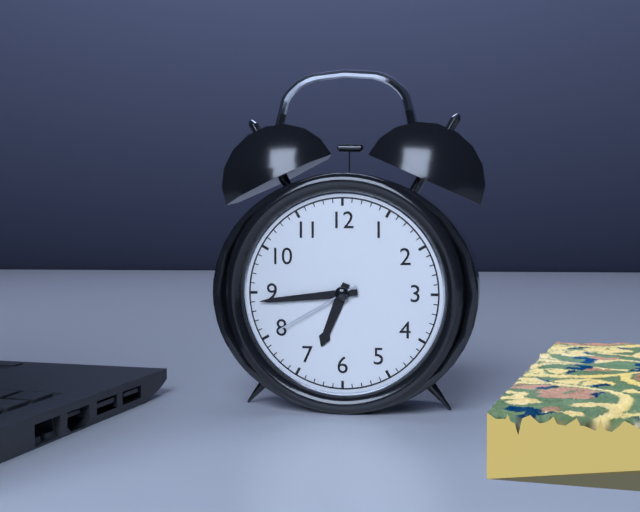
6.44.40
